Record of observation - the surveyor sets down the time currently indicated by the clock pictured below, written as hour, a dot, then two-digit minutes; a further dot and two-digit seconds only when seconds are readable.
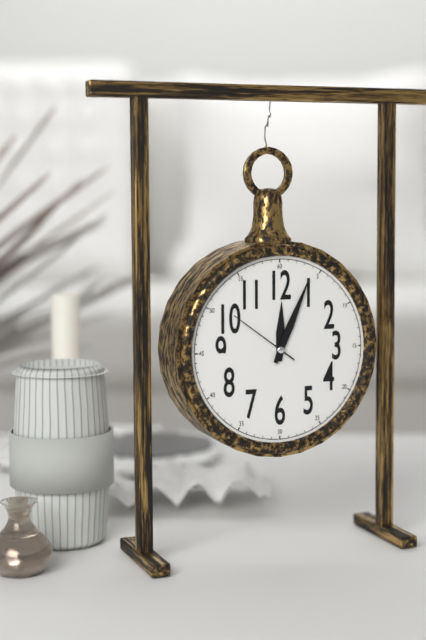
12.04.51
